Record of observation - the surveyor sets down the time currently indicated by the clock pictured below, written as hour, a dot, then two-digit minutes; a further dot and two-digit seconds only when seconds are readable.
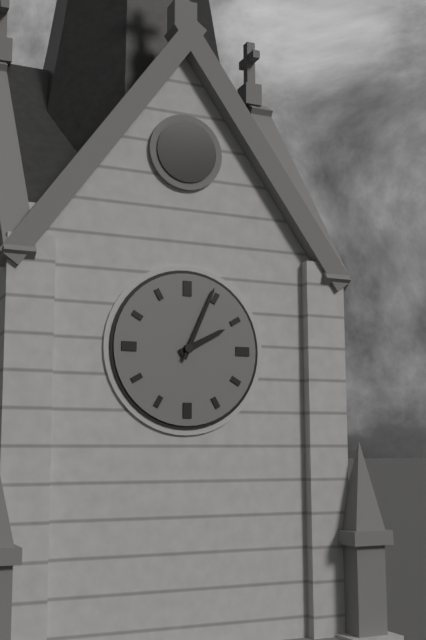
2.04
